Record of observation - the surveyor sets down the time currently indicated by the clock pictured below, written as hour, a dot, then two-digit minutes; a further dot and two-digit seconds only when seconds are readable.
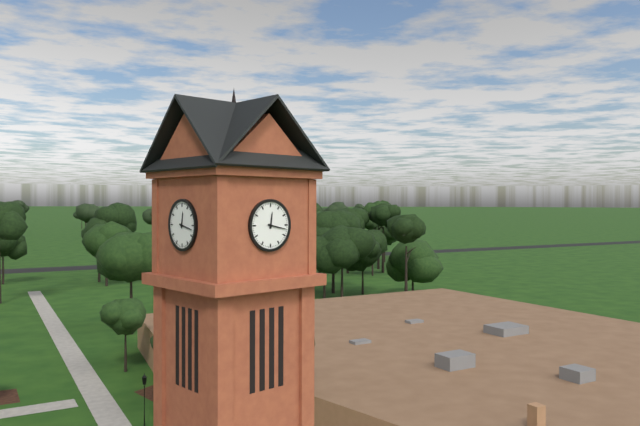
12.17
